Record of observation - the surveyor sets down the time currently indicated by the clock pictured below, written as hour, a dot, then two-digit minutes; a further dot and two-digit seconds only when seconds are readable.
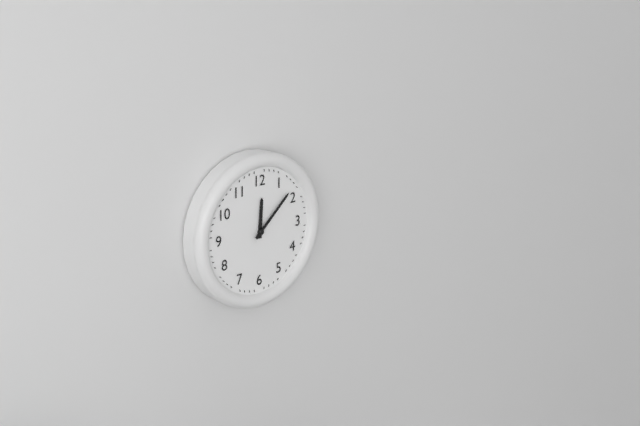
12.08
